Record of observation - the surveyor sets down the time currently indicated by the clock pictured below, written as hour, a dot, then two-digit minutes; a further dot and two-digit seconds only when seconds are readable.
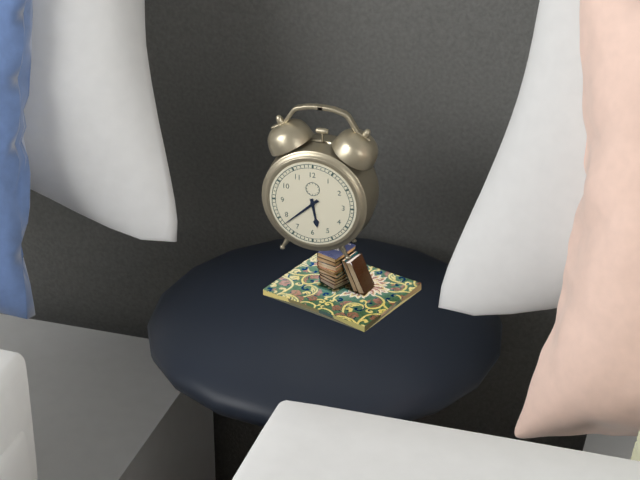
5.38
